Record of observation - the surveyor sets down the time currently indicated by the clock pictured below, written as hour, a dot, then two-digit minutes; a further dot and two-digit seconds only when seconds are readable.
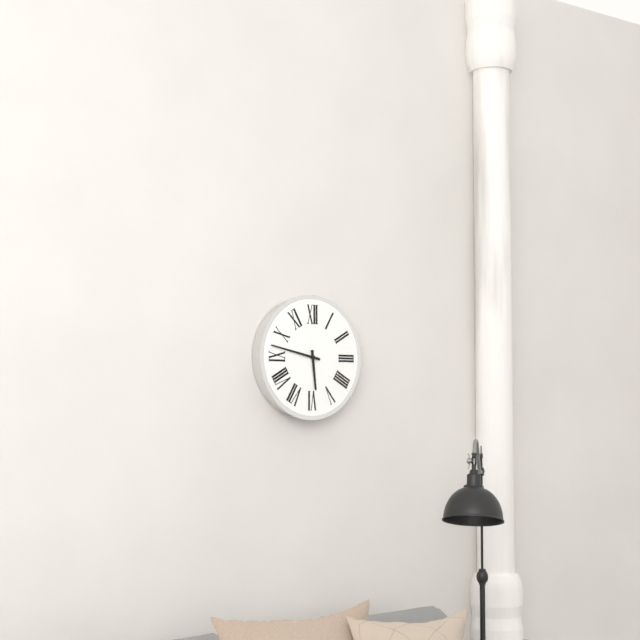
5.47
